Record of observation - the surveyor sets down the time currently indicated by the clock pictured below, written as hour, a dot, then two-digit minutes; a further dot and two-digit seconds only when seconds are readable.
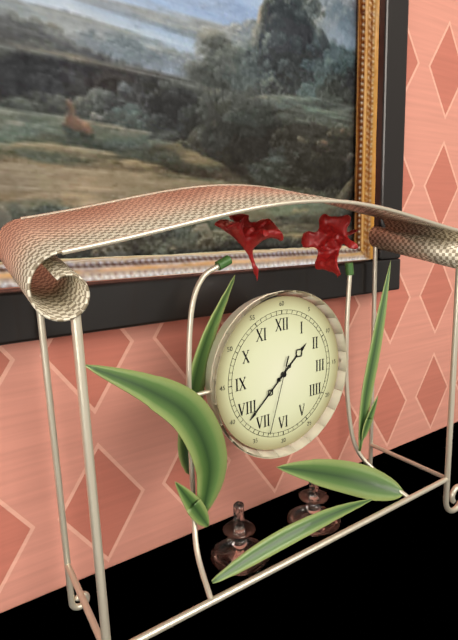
1.38.33
